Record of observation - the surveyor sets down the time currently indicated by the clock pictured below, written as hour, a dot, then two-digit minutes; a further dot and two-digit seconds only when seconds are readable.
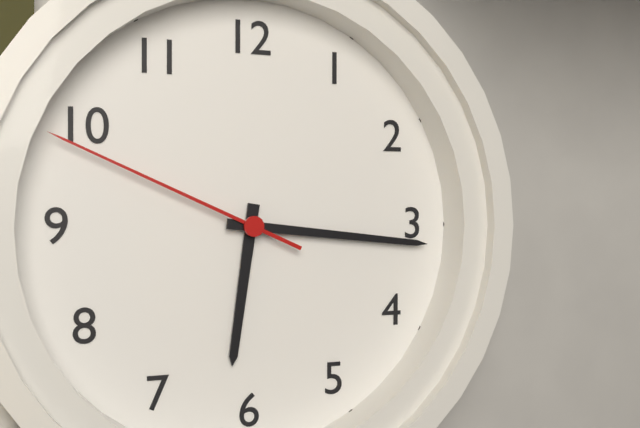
6.16.49
